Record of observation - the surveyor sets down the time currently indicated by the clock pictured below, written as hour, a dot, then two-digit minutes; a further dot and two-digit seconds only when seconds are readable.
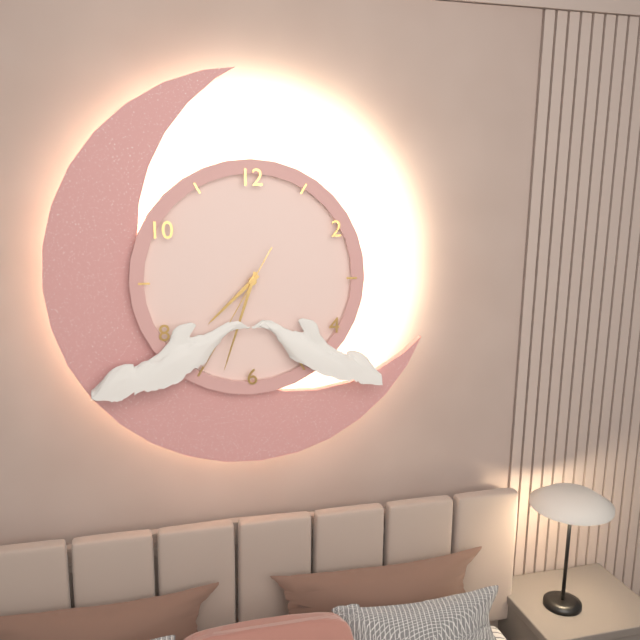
7.33.35
